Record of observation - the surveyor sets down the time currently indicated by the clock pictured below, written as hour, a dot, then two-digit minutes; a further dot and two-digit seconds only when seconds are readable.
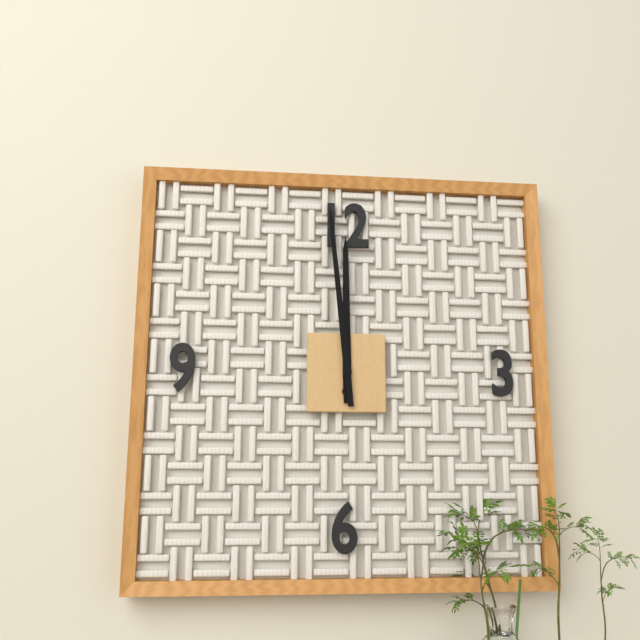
11.59
